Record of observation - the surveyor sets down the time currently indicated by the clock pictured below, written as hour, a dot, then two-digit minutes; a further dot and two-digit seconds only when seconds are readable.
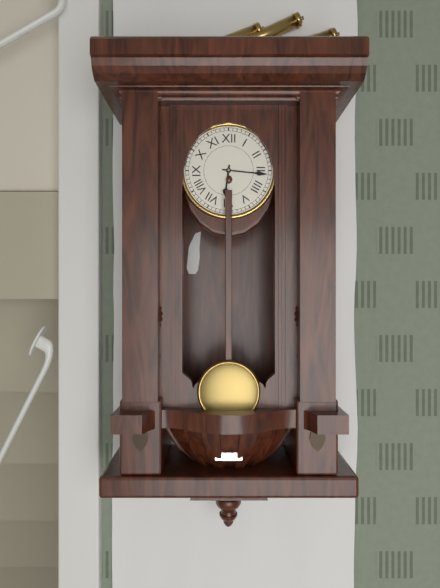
6.16
